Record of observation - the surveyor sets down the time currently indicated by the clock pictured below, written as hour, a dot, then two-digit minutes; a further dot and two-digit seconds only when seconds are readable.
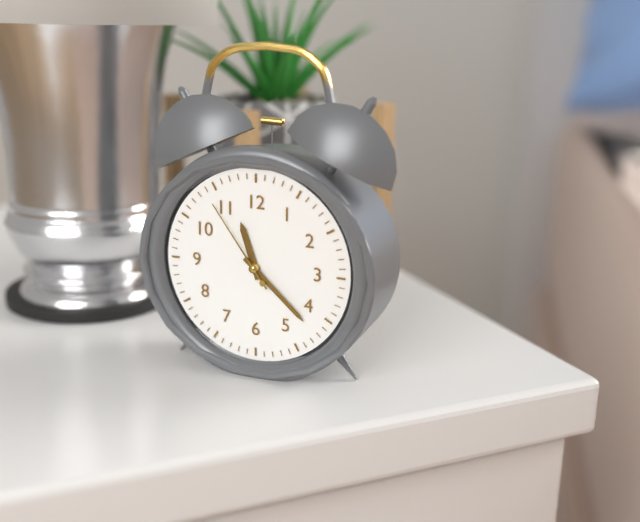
11.22.54
